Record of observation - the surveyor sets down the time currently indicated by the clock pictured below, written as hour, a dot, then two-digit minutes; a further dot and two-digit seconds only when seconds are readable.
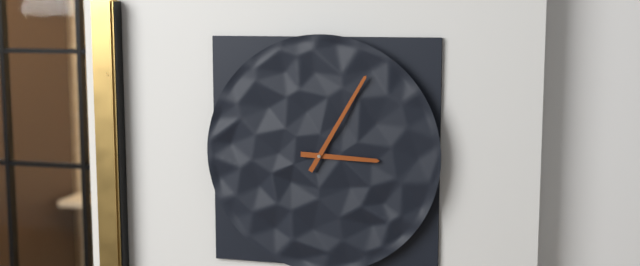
3.05
